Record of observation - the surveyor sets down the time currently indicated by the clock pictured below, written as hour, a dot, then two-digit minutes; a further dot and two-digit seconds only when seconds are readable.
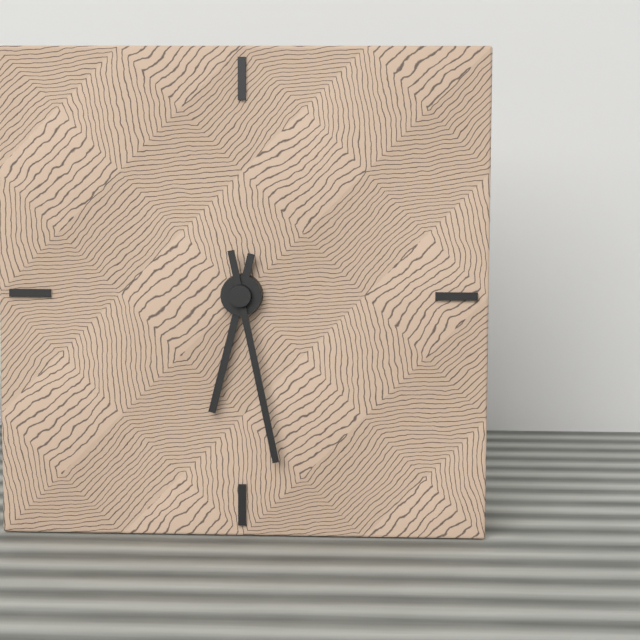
6.28
